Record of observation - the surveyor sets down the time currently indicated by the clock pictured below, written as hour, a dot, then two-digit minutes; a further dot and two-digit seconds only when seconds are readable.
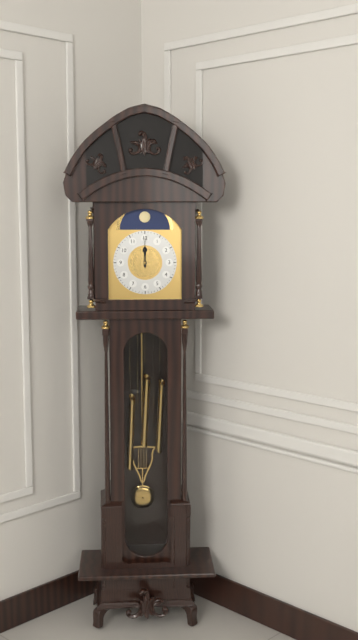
12.00
